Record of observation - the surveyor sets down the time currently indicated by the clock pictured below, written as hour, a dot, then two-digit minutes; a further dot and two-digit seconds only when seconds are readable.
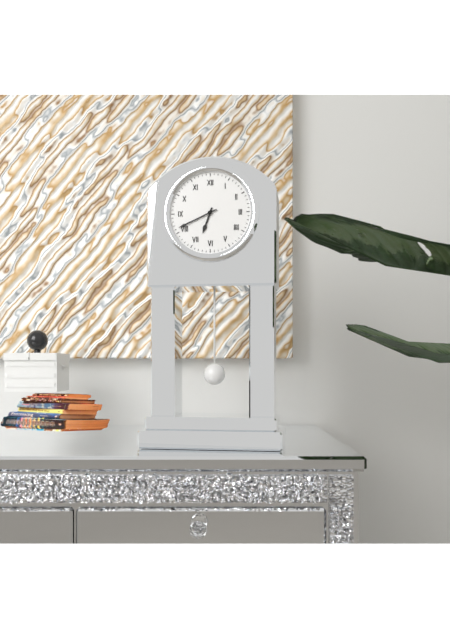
6.41
